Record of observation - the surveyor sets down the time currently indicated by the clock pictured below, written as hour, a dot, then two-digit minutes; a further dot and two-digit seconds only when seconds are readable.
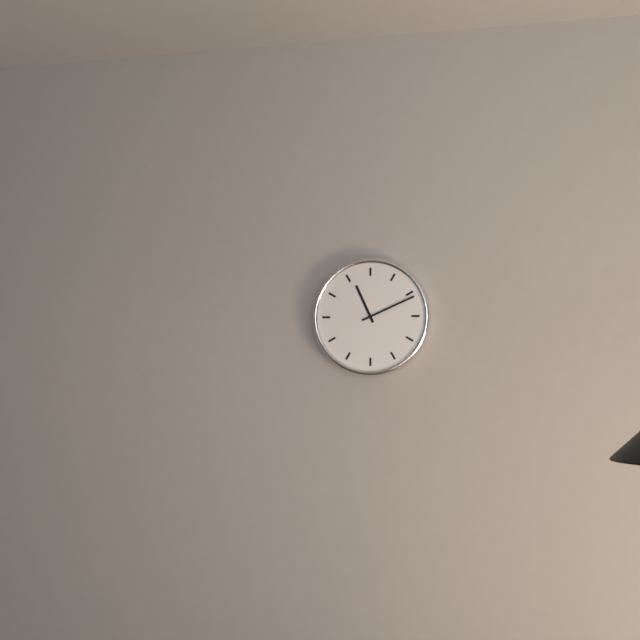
11.11
